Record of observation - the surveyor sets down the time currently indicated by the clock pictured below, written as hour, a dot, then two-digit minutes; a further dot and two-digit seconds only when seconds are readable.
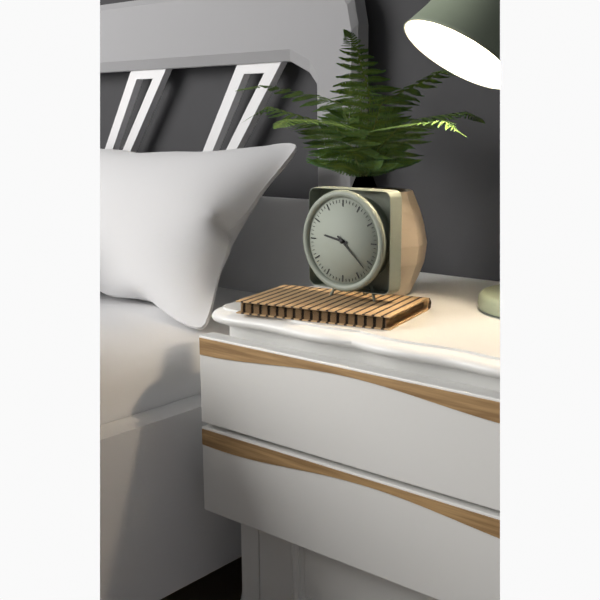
9.22
